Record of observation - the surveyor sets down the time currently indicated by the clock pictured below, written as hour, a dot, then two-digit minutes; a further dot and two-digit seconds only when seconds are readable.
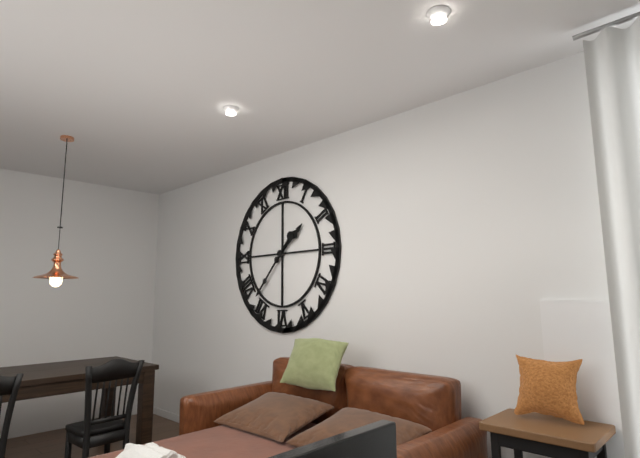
1.37
